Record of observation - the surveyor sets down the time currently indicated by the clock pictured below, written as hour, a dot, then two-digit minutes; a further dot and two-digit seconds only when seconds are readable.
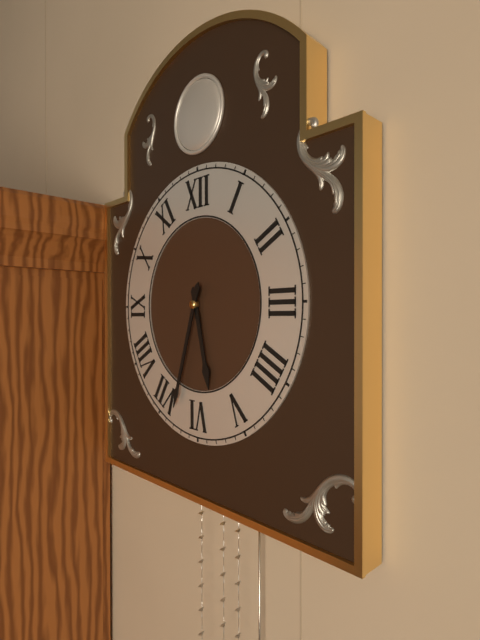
5.33
